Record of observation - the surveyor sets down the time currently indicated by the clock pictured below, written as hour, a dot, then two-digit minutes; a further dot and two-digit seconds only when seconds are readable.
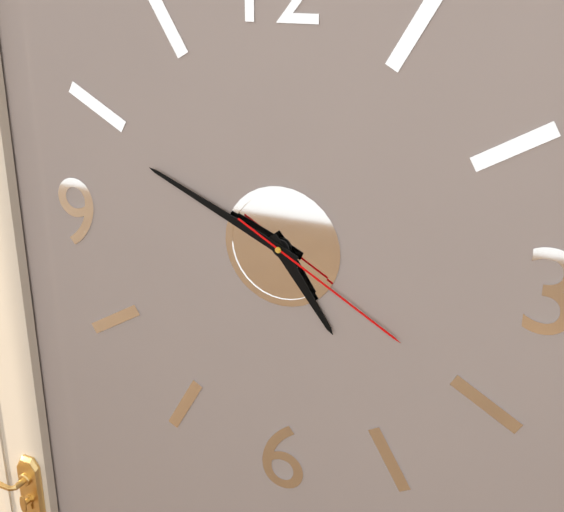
4.49.20
